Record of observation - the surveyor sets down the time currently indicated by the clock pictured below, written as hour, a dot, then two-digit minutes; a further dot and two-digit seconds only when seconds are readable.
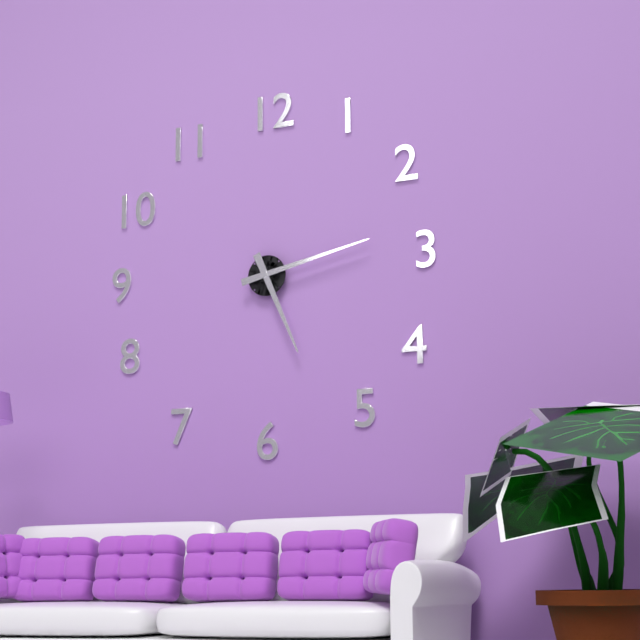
5.13
